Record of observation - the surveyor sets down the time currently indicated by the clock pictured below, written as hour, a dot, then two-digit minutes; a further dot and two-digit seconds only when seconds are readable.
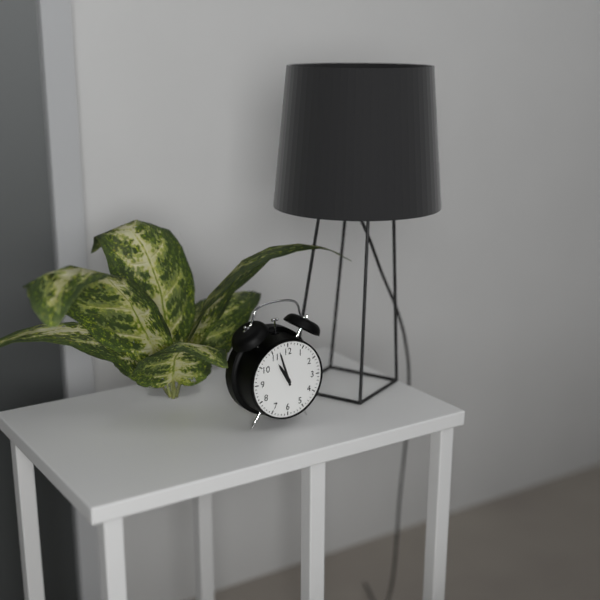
10.57
